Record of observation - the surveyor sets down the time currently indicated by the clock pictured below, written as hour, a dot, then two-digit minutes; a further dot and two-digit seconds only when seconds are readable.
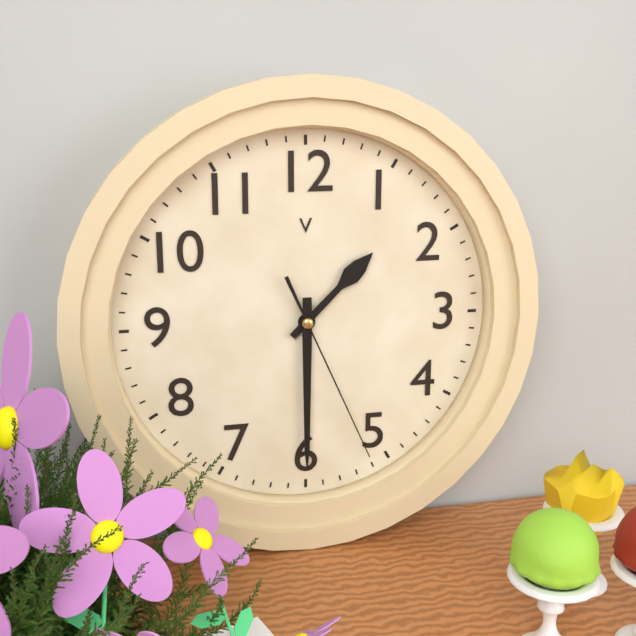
1.30.26
